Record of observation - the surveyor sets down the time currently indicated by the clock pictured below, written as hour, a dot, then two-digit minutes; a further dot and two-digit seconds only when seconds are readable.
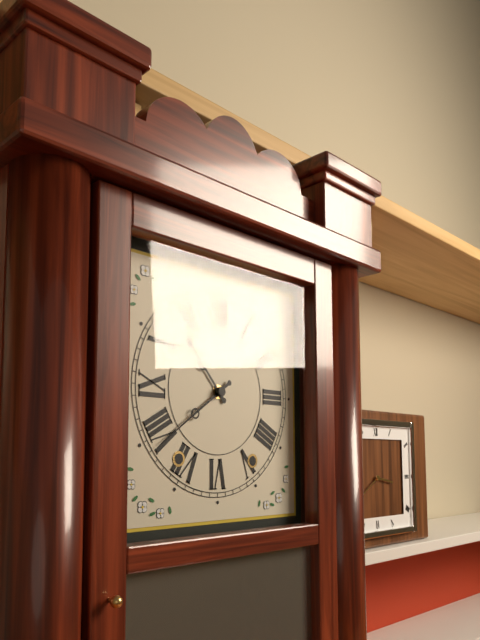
10.39
